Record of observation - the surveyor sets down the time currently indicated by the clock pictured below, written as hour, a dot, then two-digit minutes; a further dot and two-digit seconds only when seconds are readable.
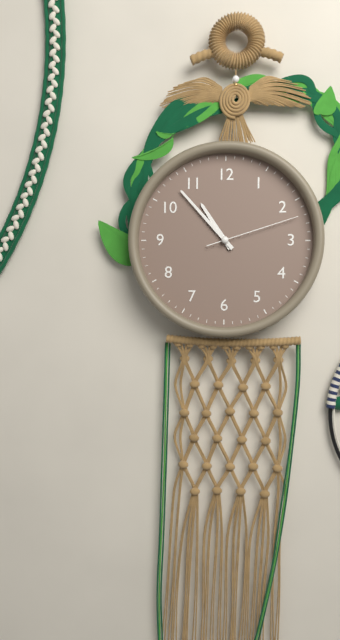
10.53.12
